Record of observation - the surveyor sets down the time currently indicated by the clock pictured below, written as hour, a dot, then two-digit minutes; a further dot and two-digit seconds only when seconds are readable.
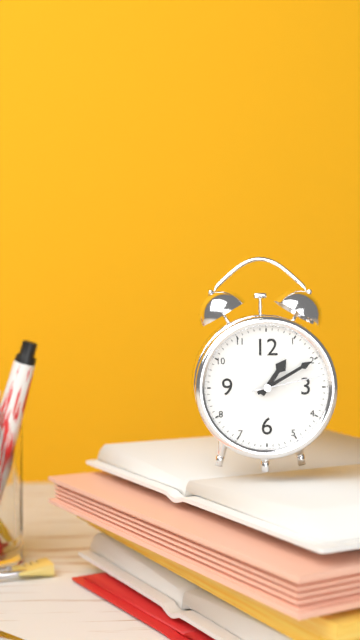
1.10.13
